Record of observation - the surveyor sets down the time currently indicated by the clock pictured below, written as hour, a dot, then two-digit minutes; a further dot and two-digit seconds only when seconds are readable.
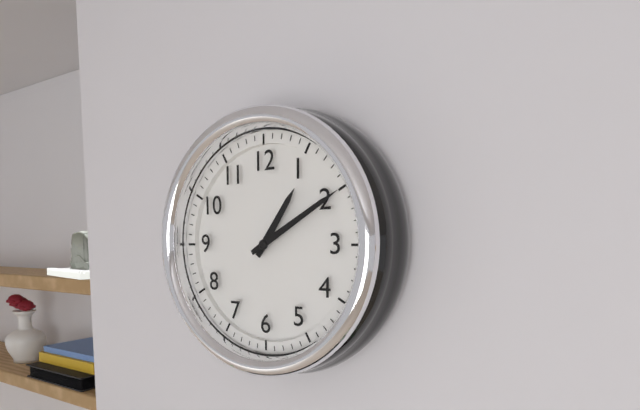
1.10
